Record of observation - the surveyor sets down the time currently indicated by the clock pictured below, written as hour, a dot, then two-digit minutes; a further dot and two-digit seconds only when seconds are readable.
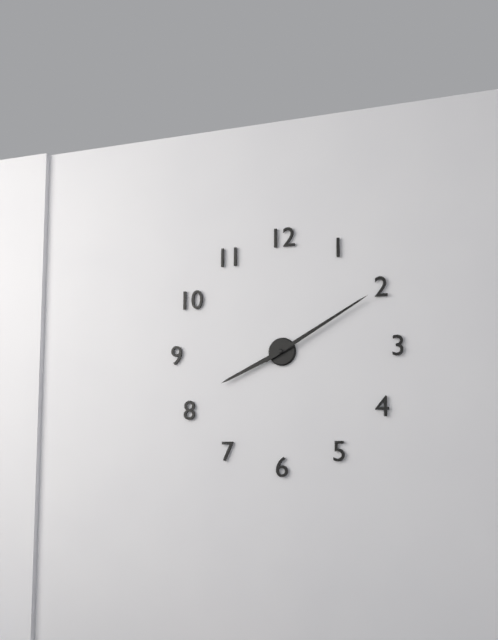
8.10
